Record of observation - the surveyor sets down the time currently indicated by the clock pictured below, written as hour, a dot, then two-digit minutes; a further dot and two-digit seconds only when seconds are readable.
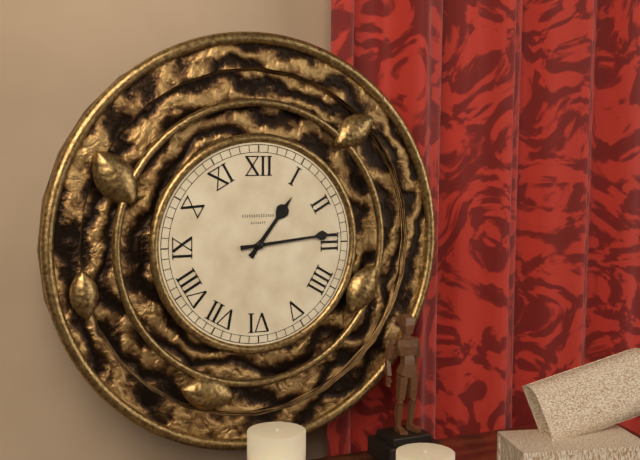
1.14
